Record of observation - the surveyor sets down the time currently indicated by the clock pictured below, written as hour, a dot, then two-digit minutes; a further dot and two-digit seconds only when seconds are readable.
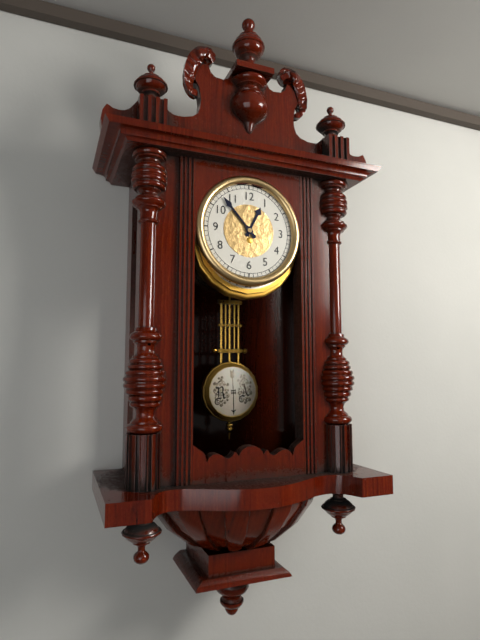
12.53
